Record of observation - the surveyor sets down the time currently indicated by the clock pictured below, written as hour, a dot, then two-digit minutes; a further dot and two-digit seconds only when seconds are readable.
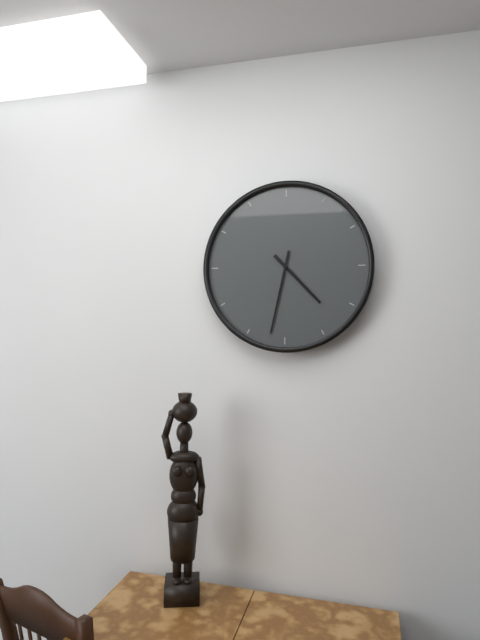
4.32
